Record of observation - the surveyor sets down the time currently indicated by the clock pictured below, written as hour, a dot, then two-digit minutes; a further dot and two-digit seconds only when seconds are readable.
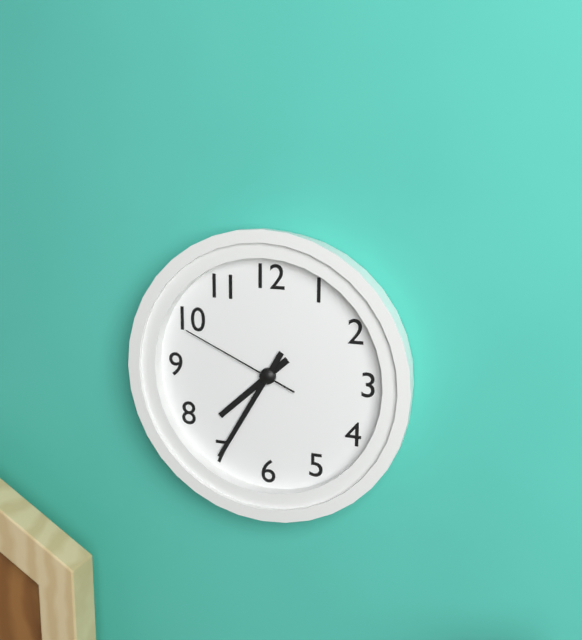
7.35.49
